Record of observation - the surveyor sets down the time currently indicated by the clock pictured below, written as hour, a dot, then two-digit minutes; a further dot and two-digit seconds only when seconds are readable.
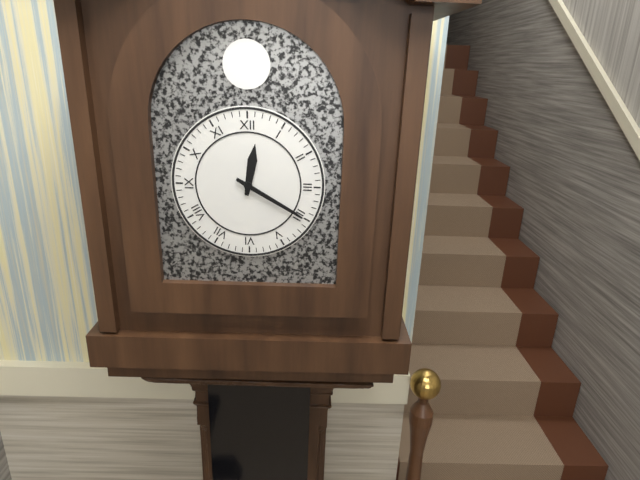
12.20
